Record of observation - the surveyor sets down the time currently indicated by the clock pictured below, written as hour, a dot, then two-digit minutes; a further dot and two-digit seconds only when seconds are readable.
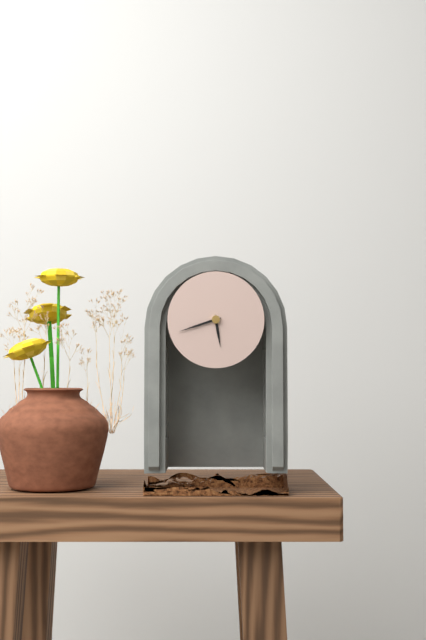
5.42
